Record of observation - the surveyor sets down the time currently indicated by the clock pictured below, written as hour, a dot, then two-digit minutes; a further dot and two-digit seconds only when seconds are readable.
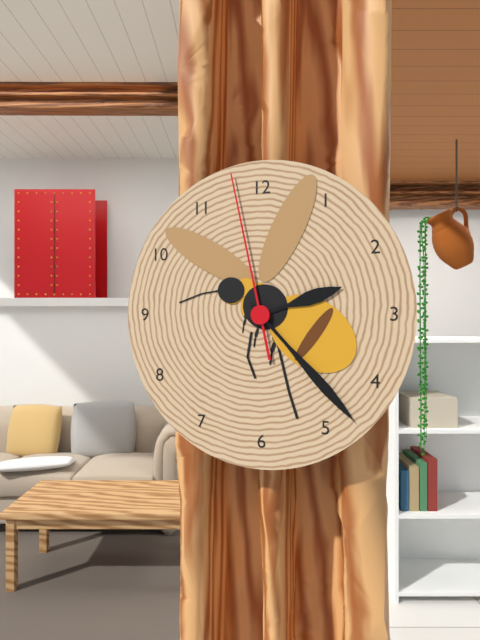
2.23.58
